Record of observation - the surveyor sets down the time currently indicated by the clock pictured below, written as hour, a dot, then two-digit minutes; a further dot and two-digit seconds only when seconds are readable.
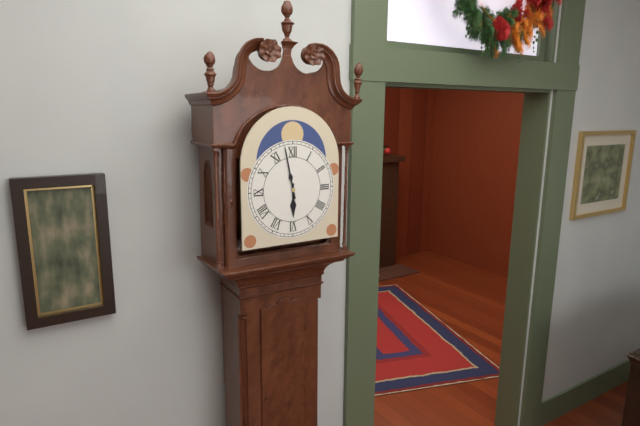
5.58
